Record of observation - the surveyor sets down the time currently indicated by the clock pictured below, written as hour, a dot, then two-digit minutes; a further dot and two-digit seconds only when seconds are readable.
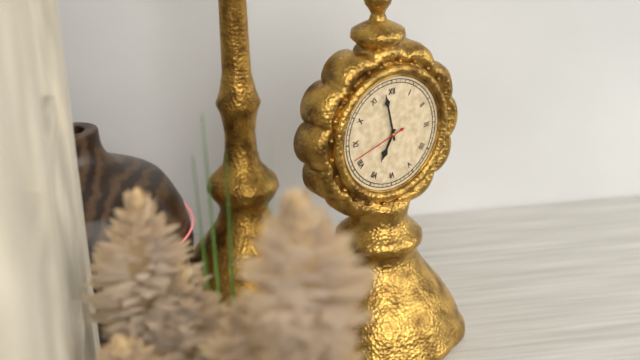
6.58.42
